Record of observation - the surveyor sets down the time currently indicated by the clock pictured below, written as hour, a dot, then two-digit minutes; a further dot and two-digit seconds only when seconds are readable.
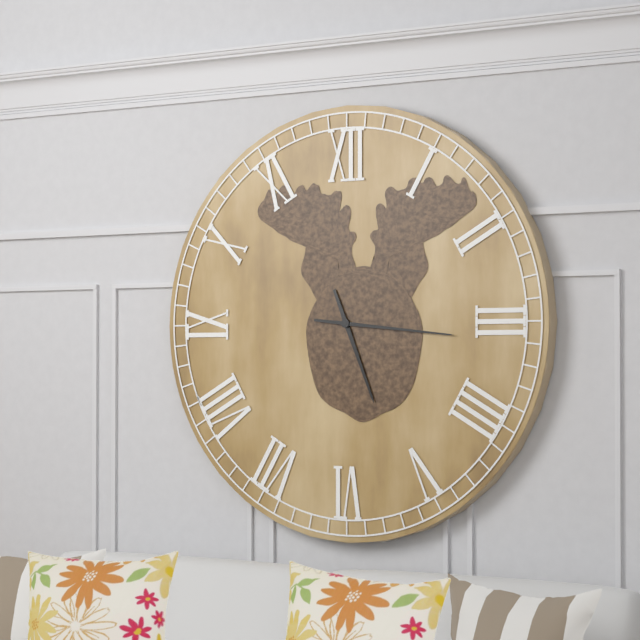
5.16
